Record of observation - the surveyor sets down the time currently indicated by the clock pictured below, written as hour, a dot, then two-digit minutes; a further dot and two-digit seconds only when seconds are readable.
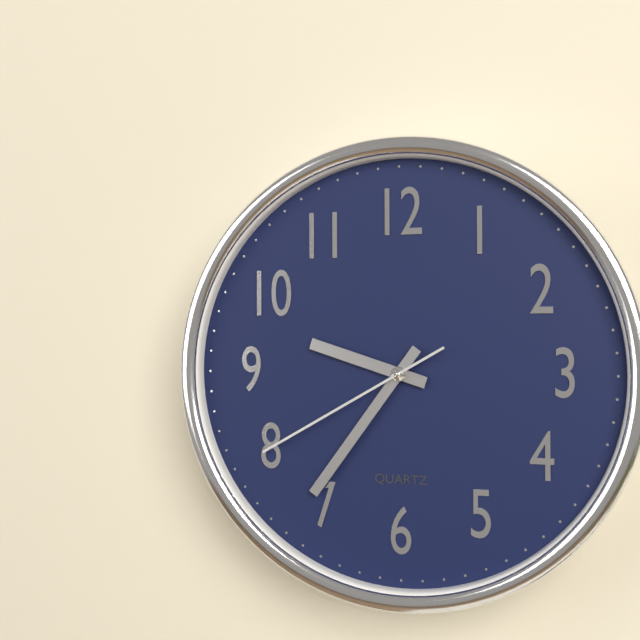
9.36.40
